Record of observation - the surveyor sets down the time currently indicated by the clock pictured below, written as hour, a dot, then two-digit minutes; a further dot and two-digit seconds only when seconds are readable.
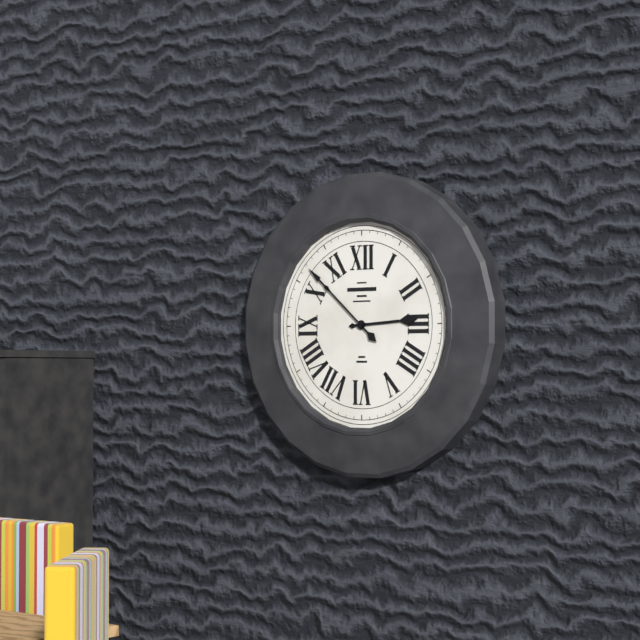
2.52
